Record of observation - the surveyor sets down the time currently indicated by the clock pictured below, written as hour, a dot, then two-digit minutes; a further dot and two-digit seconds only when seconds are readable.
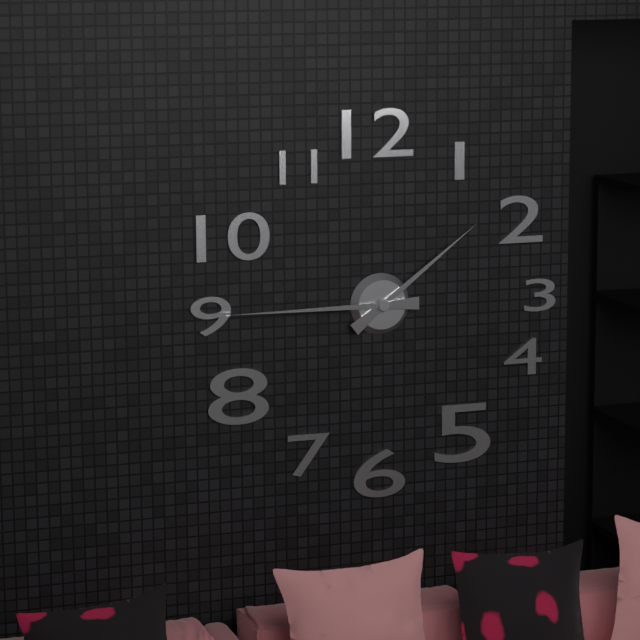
1.45
